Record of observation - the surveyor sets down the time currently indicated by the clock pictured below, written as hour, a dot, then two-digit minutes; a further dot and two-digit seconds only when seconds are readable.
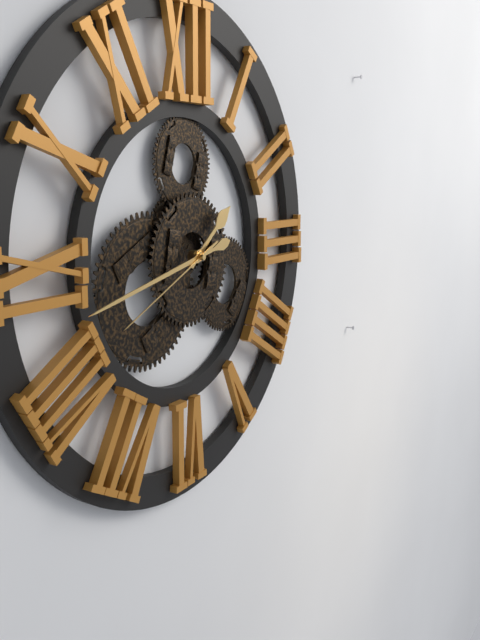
1.43.41
